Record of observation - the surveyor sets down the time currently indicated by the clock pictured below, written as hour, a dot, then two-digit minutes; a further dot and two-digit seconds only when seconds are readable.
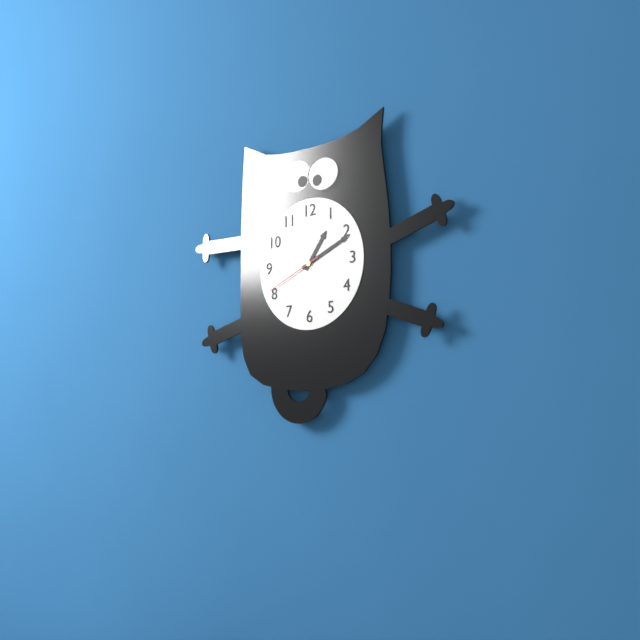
1.11.41
